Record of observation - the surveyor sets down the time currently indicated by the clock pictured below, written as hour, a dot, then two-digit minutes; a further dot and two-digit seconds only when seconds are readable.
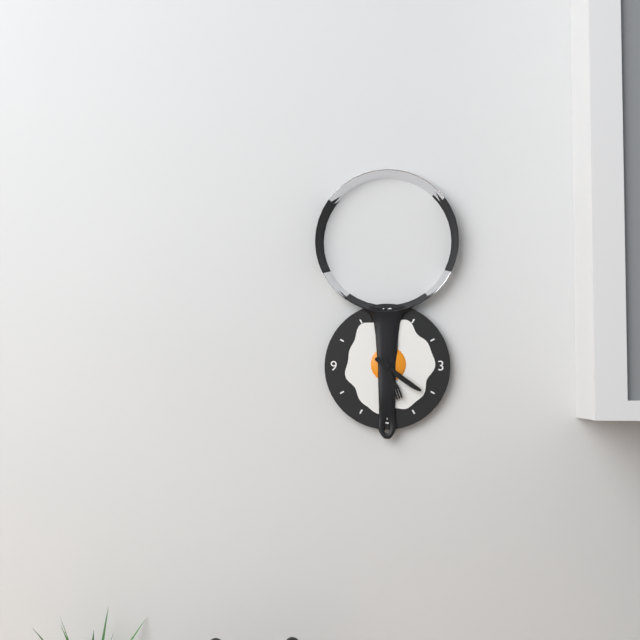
5.21
